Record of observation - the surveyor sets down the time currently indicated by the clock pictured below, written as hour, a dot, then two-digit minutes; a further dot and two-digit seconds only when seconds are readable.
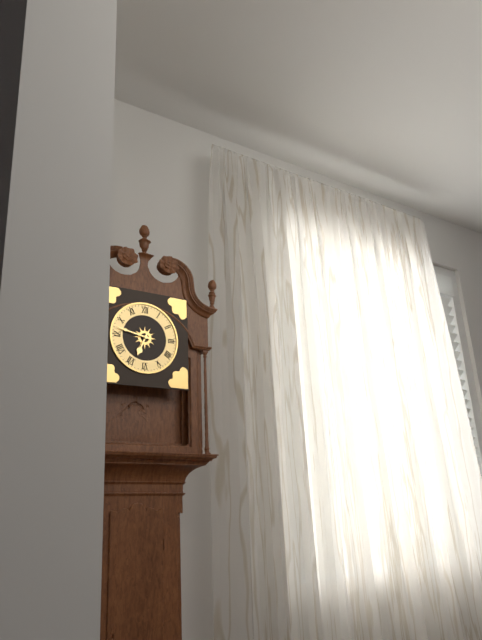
6.47
